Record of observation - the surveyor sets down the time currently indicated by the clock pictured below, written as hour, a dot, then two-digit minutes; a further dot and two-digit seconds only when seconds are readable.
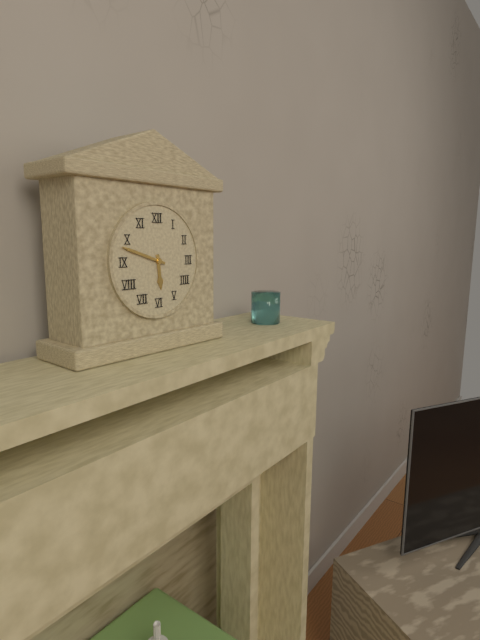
5.48
